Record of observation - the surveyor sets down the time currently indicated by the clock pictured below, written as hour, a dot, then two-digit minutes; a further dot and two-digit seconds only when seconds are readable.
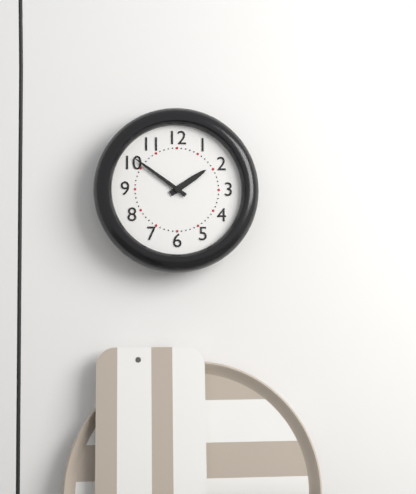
1.51
